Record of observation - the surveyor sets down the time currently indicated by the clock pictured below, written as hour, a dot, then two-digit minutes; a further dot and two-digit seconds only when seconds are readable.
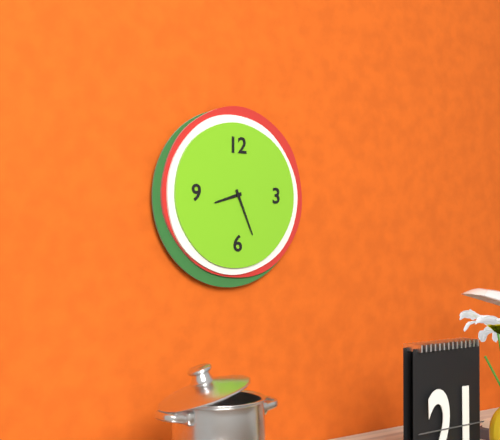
8.26
